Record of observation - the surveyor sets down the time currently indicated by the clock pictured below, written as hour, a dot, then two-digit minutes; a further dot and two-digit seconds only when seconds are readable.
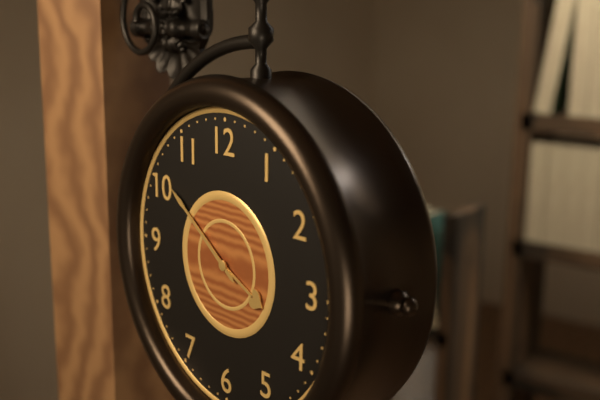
3.51
